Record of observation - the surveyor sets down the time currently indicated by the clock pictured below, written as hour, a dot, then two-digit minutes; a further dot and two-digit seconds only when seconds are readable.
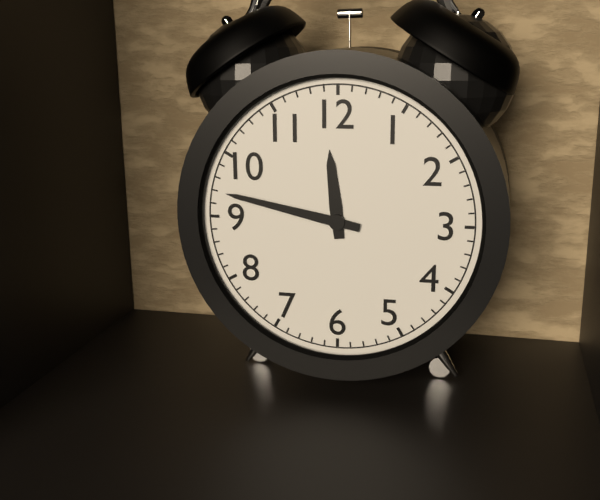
11.47
